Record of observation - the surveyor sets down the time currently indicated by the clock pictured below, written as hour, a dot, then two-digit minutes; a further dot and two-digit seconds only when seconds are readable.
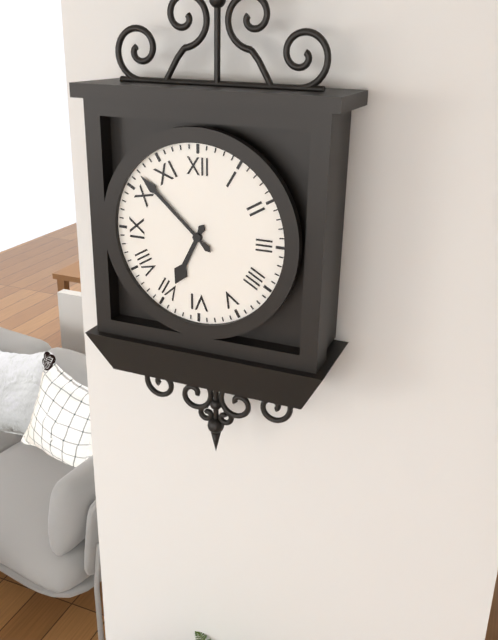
6.52
